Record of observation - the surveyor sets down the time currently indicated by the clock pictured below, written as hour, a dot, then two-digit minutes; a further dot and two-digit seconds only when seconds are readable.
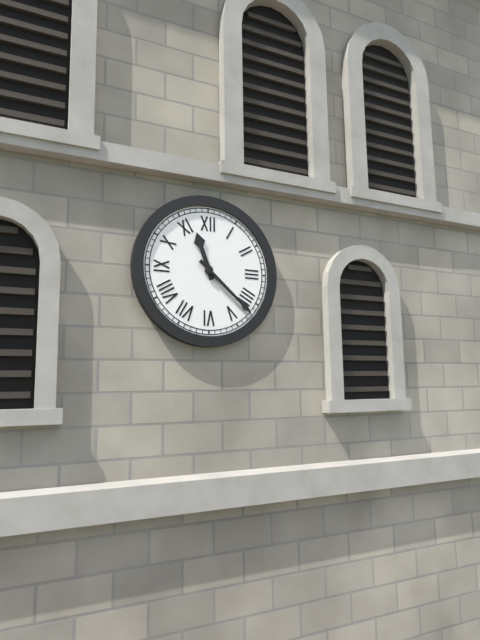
11.22
